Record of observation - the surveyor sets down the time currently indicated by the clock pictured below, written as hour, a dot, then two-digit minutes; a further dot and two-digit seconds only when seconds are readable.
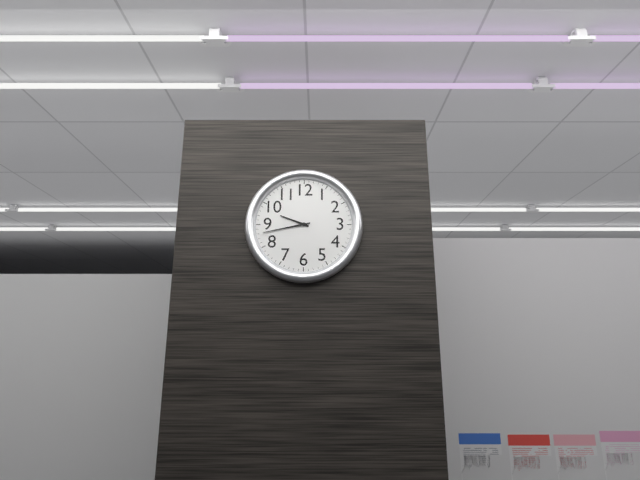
9.43
